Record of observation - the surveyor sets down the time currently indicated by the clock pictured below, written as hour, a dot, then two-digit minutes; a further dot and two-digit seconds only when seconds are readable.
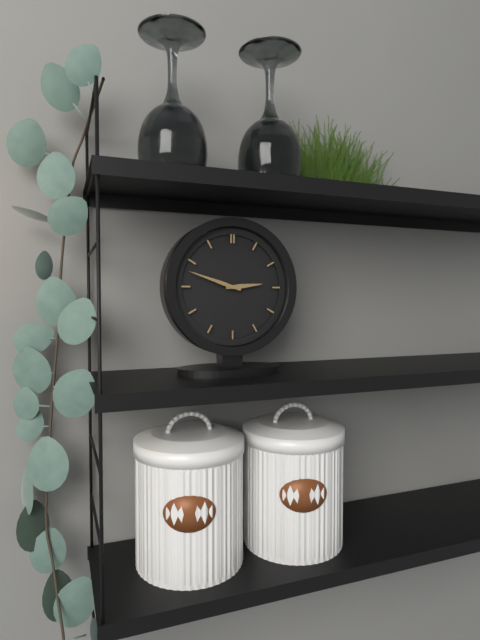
2.48
